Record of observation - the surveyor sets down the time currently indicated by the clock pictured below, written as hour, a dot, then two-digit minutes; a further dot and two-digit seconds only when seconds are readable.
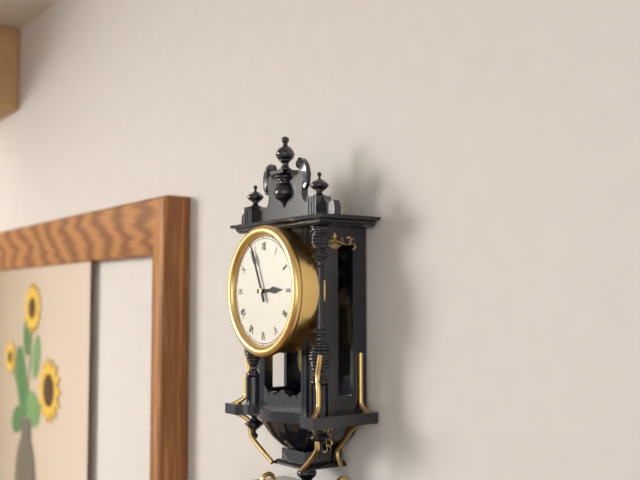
2.56
